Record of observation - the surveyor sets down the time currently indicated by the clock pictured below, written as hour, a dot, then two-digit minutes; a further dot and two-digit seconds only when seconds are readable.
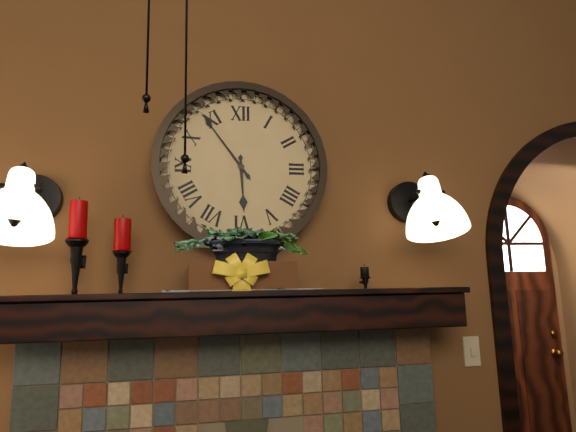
5.54
